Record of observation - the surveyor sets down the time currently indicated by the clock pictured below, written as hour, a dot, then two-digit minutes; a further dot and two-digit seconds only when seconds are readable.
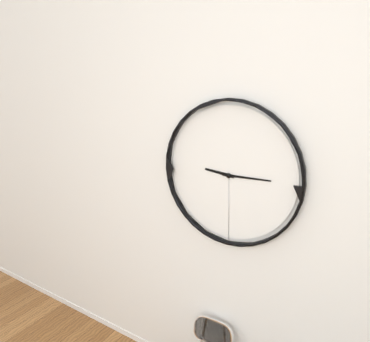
9.15
